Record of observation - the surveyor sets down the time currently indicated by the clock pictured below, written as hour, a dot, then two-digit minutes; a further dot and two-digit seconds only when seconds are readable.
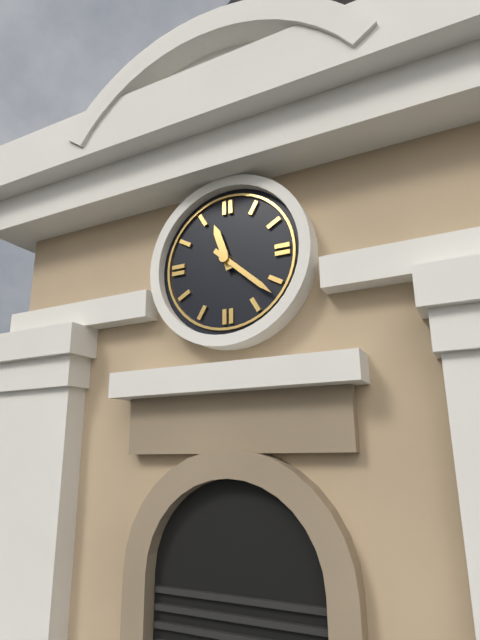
11.22
